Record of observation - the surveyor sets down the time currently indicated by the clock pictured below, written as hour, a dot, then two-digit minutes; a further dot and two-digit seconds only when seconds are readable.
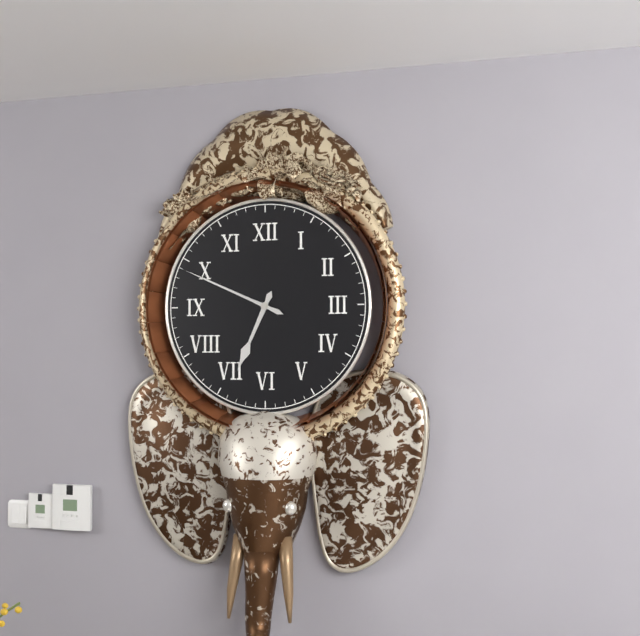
6.49
